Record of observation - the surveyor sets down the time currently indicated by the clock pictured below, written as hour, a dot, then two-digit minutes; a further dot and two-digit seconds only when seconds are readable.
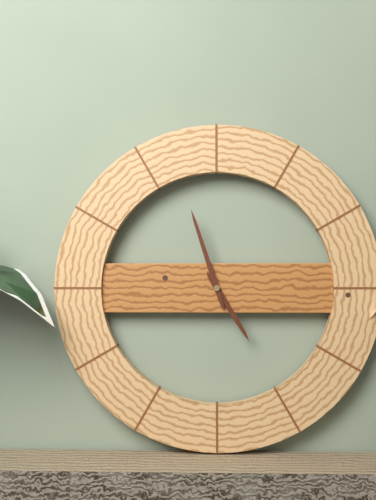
4.57
